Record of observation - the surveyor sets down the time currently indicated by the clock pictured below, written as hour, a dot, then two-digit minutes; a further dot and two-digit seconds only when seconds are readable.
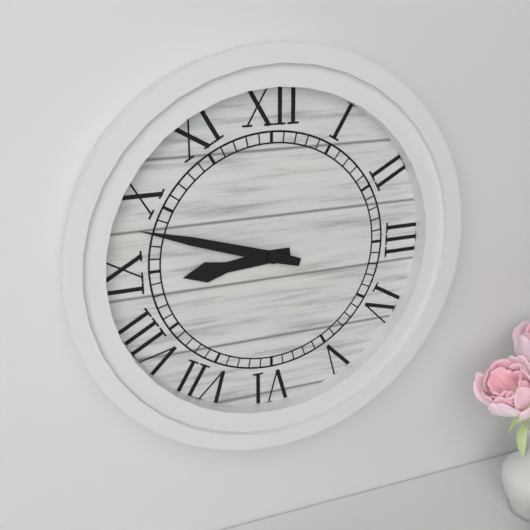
8.48
